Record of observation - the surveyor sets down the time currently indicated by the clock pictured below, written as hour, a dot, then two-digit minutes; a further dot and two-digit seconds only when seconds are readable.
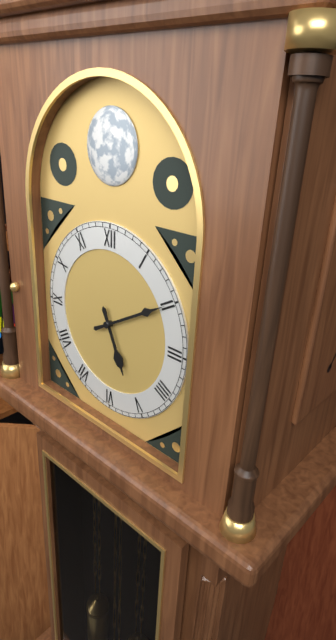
5.10
